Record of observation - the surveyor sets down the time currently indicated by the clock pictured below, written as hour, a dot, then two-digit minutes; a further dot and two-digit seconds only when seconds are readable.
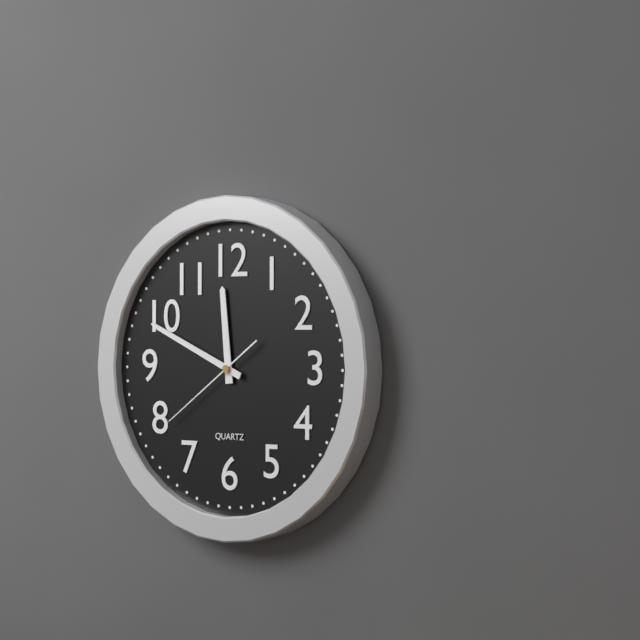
11.49.39
